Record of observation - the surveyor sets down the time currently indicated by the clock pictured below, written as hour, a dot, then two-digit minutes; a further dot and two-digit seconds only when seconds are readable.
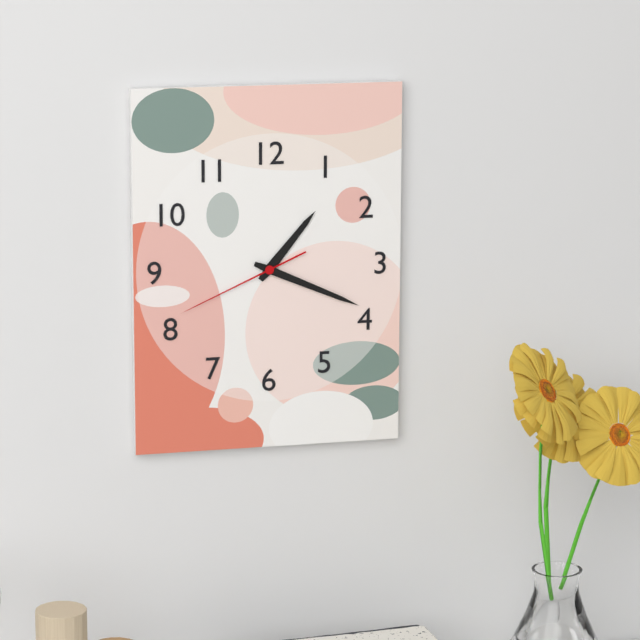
1.19.41
